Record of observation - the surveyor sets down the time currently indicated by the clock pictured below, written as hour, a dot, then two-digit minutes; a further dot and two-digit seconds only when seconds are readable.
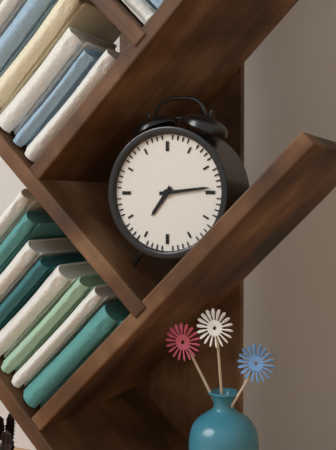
7.14
